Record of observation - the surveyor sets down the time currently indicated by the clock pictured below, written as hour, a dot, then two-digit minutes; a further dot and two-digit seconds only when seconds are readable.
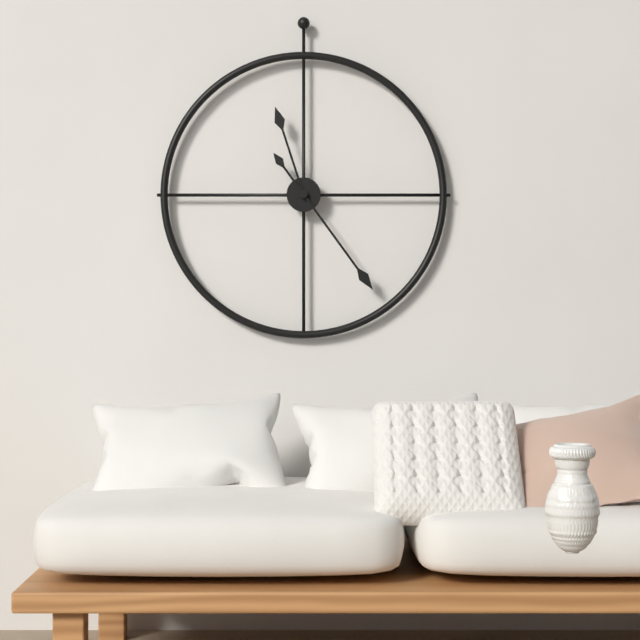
11.24
